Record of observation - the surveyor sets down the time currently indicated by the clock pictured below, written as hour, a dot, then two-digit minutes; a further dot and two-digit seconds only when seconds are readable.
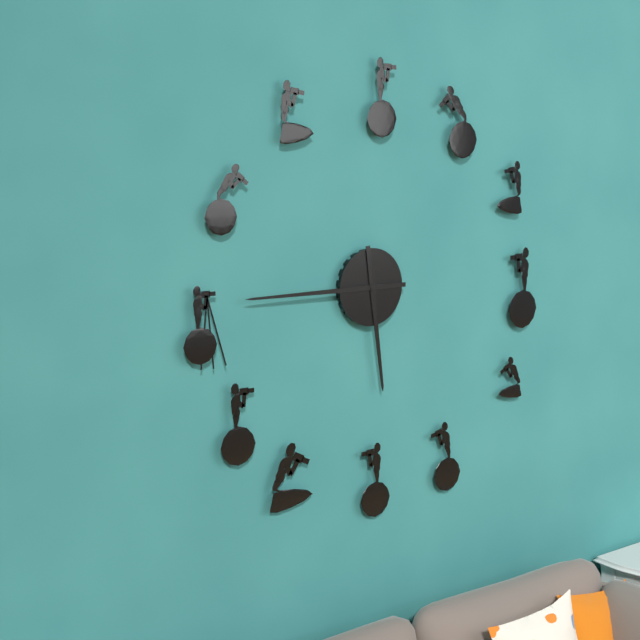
5.45
